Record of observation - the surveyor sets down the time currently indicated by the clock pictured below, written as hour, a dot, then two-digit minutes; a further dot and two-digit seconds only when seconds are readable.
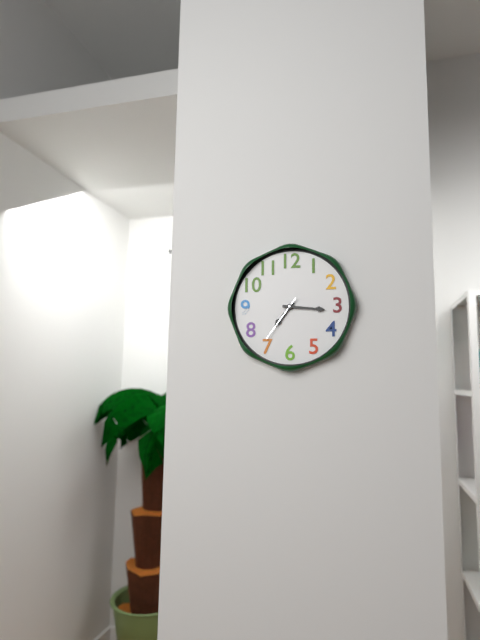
7.16.36
